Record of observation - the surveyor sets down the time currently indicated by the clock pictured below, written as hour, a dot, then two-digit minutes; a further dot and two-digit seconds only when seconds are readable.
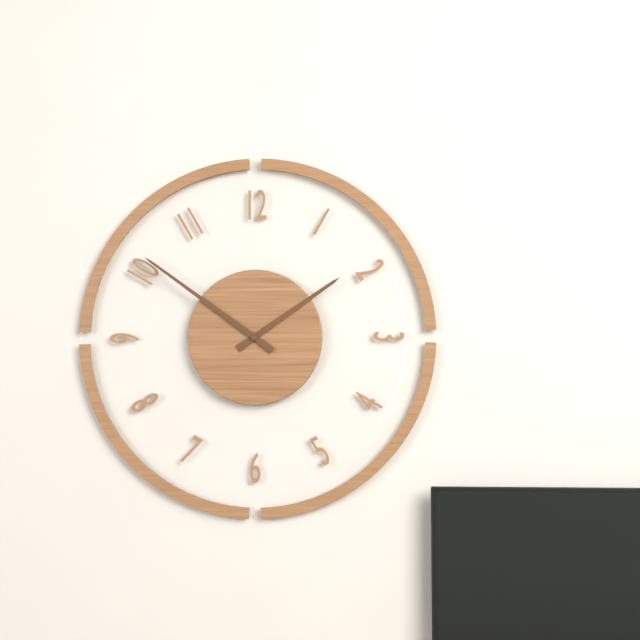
1.51
